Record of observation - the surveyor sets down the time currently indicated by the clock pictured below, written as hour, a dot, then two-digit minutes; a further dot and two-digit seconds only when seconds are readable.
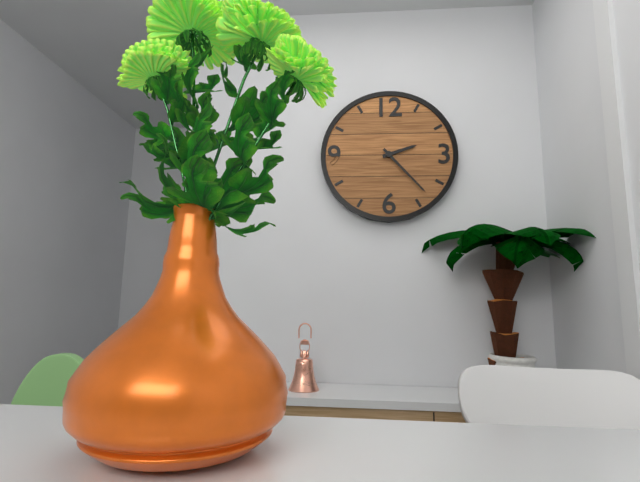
2.23
